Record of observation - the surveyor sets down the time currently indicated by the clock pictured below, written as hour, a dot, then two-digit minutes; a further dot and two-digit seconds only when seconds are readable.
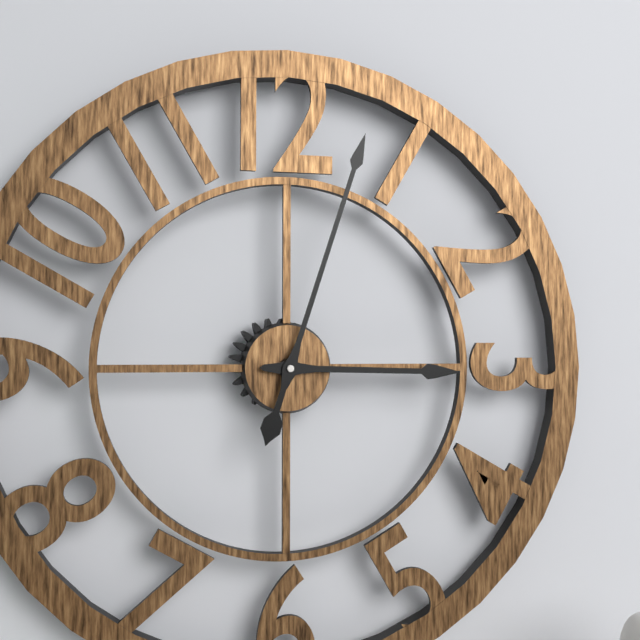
3.03
